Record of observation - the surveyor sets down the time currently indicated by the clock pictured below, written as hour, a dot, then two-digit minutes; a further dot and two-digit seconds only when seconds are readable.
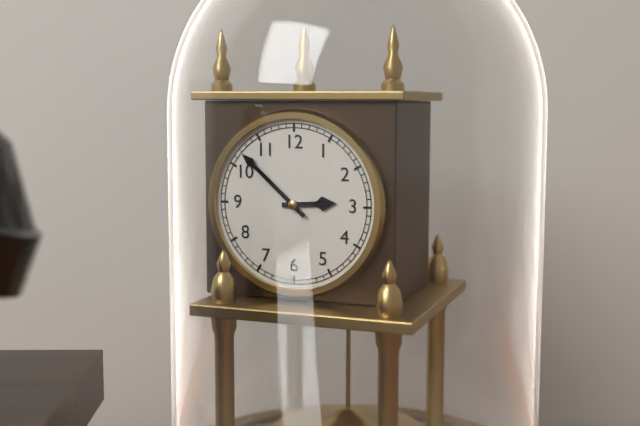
2.52
